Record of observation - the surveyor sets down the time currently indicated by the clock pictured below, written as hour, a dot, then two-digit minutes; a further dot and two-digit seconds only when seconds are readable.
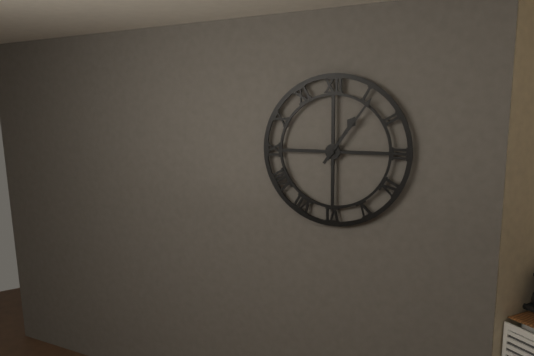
1.06
